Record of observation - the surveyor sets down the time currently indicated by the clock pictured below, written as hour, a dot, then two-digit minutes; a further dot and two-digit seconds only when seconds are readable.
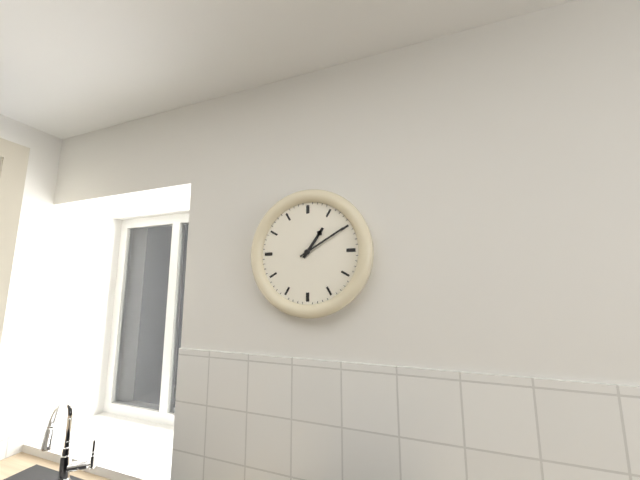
1.10
